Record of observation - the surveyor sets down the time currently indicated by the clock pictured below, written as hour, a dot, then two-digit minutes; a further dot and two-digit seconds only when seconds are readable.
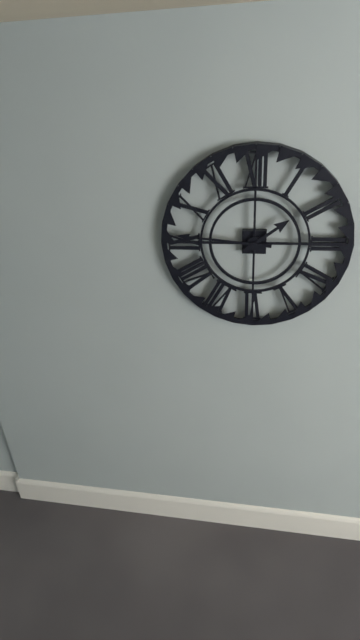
1.46
